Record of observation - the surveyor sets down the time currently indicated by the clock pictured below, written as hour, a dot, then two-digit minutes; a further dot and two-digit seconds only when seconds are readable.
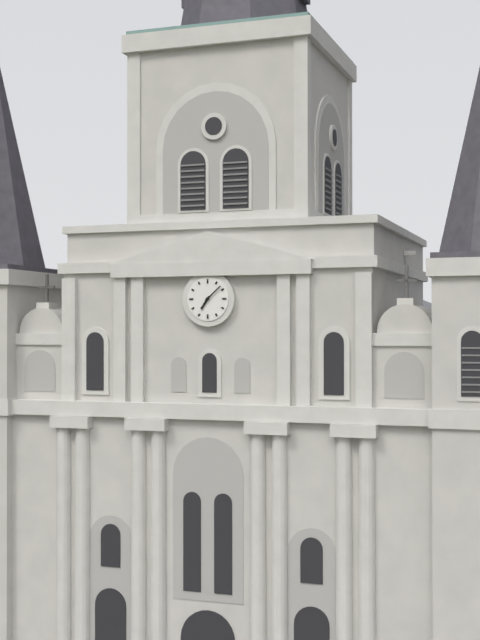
7.08
